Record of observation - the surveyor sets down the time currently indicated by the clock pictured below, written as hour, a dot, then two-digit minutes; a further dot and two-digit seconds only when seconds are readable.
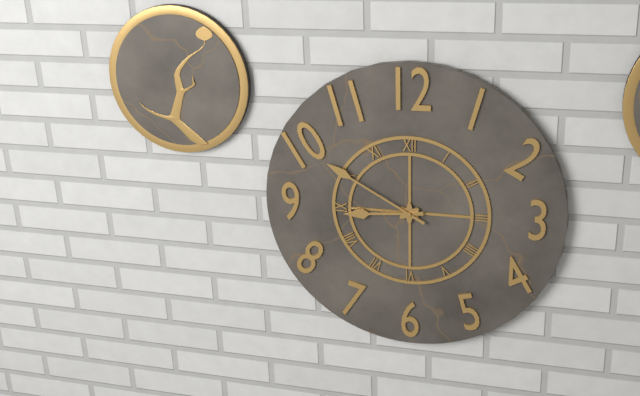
8.50
